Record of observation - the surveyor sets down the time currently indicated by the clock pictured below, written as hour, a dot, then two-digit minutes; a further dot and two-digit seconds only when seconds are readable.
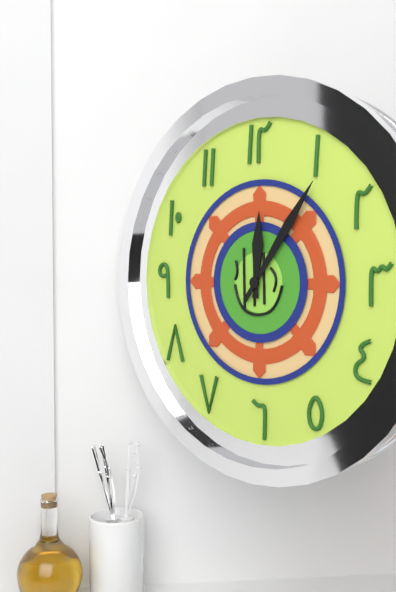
12.06
